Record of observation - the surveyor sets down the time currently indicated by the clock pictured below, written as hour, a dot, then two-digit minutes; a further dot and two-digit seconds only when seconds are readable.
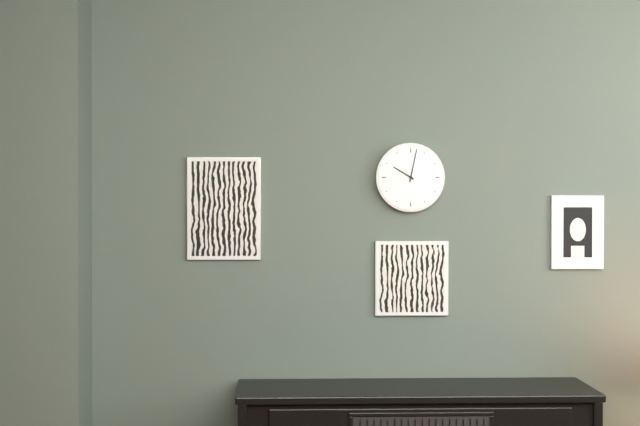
10.02
